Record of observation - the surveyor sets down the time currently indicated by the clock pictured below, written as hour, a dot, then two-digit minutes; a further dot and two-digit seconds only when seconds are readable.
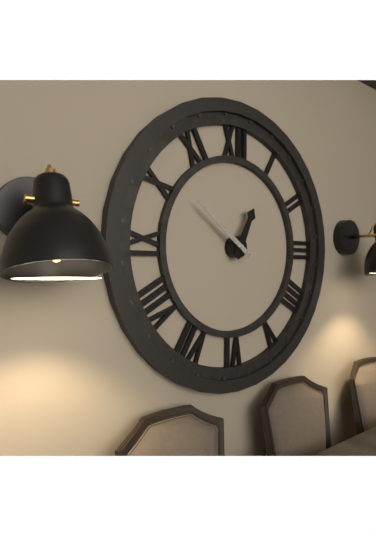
12.51
